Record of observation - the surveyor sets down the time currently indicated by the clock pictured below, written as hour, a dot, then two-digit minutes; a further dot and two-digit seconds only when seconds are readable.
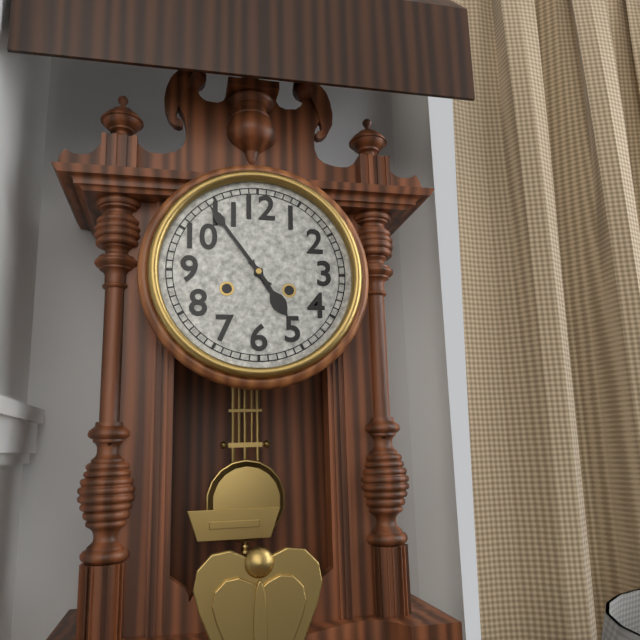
4.54
